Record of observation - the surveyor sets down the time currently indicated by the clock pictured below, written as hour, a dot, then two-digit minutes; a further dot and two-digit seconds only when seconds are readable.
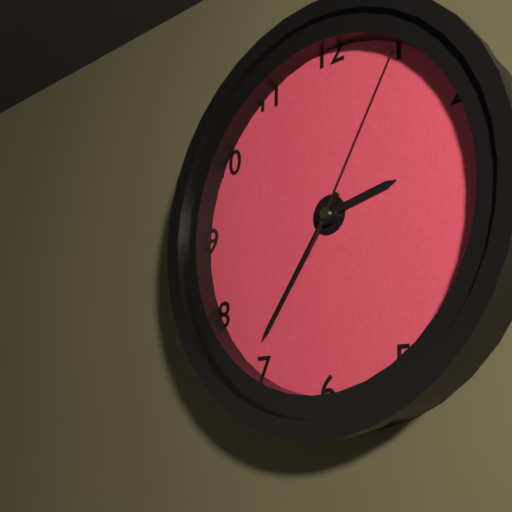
2.36.05
